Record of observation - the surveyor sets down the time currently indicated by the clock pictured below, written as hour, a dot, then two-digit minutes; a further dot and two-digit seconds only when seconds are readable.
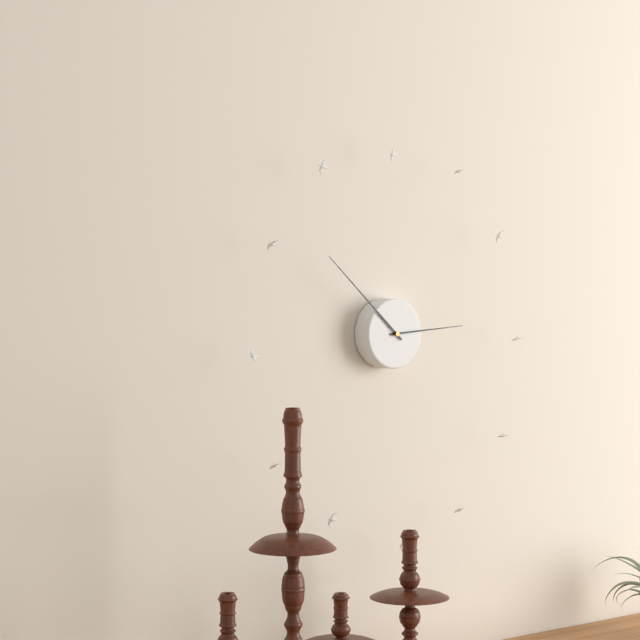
2.52
